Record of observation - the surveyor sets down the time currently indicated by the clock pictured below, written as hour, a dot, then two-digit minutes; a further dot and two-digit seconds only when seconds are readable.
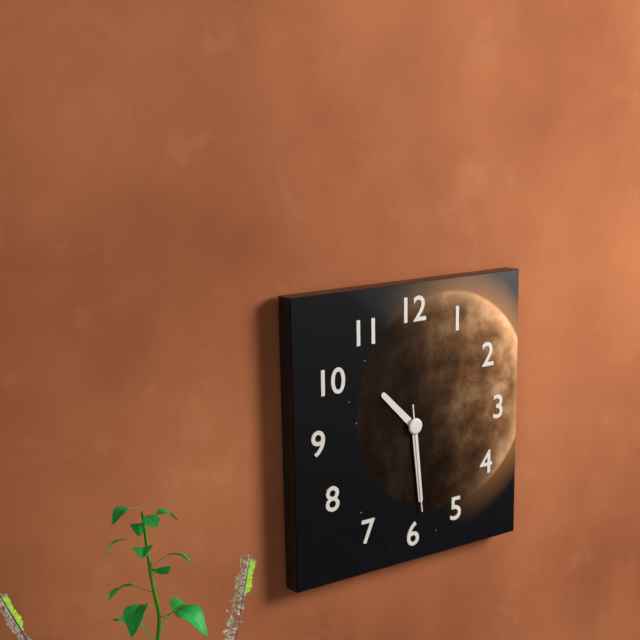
10.29.29
